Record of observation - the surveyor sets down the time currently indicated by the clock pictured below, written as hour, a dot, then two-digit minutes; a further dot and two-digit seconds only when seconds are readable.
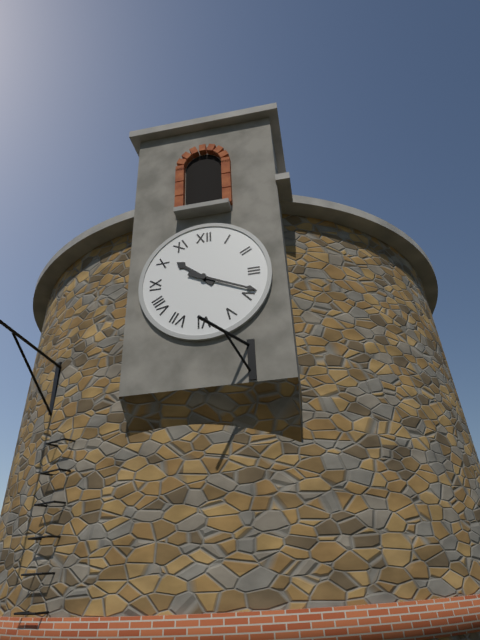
10.19
